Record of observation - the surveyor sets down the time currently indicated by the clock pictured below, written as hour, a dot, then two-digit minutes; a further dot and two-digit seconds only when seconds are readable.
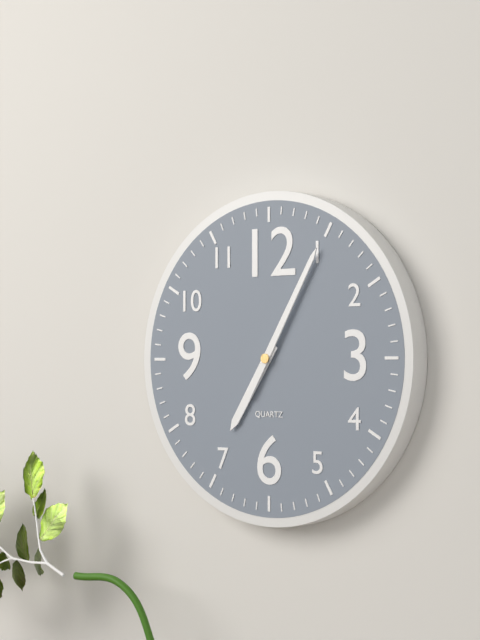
7.05
